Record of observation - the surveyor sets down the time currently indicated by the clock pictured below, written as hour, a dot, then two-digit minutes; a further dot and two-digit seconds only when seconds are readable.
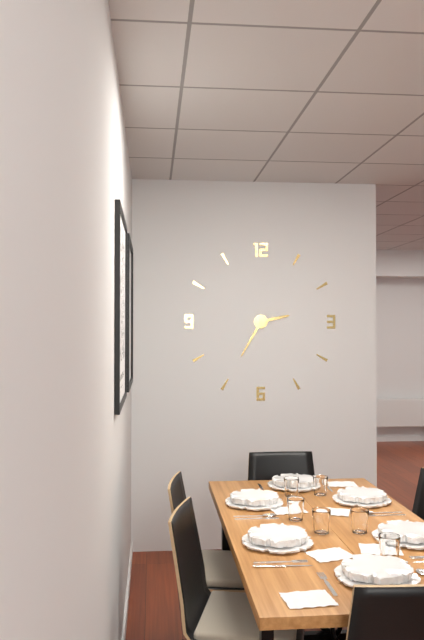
2.35
